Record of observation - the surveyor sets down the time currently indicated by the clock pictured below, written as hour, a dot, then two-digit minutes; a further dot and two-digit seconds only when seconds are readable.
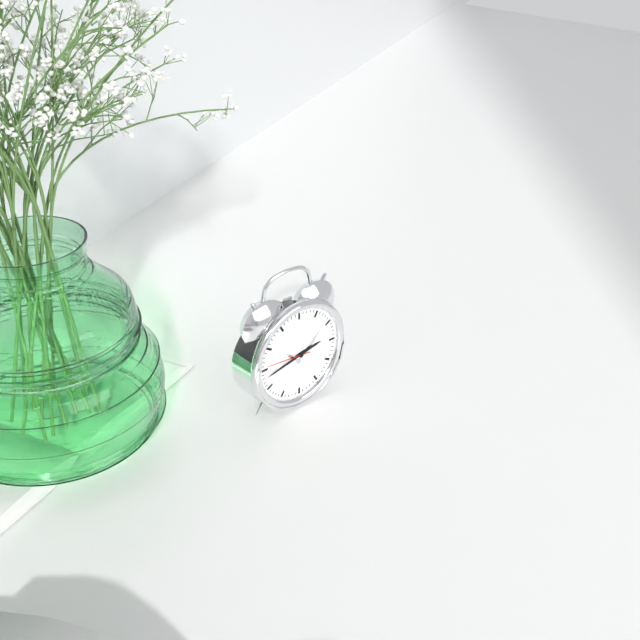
2.43
